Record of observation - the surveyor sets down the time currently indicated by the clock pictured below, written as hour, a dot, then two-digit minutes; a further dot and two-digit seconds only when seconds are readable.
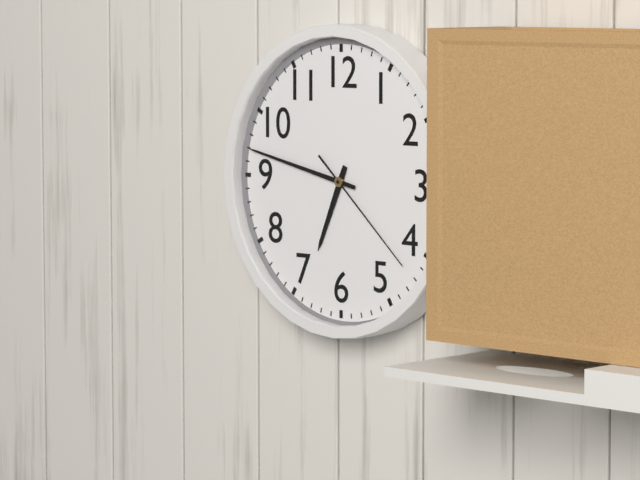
6.47.22
